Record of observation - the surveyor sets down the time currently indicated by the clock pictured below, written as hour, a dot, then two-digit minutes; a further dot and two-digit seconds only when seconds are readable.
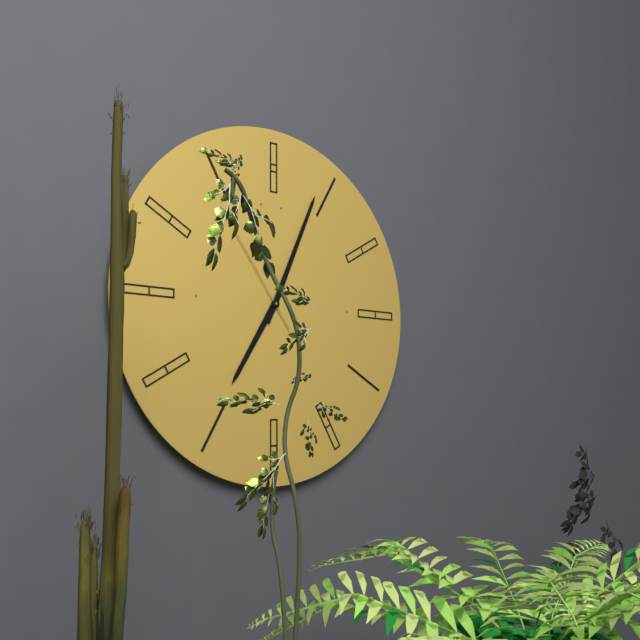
7.04.54
